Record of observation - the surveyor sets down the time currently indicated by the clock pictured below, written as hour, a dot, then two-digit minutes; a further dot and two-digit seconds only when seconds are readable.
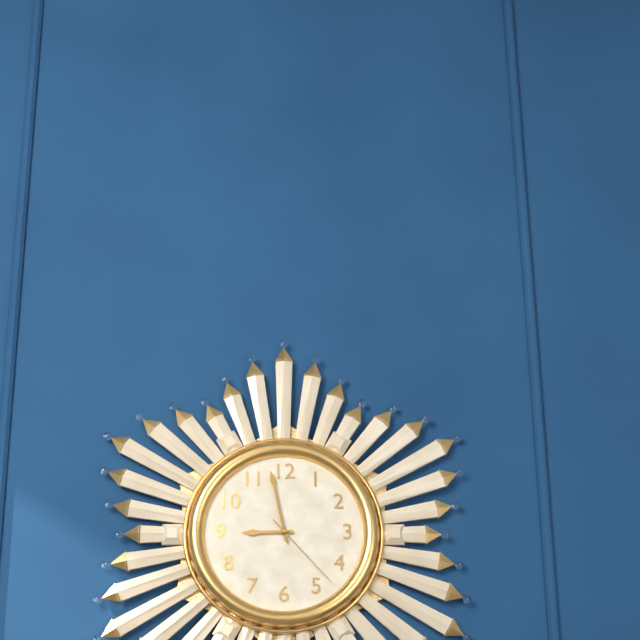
8.58.23
